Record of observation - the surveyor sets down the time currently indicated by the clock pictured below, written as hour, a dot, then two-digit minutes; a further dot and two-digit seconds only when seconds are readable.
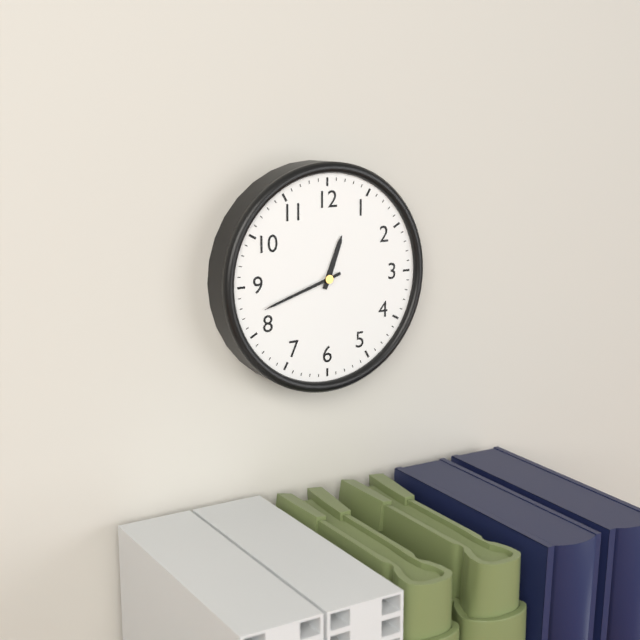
12.42
